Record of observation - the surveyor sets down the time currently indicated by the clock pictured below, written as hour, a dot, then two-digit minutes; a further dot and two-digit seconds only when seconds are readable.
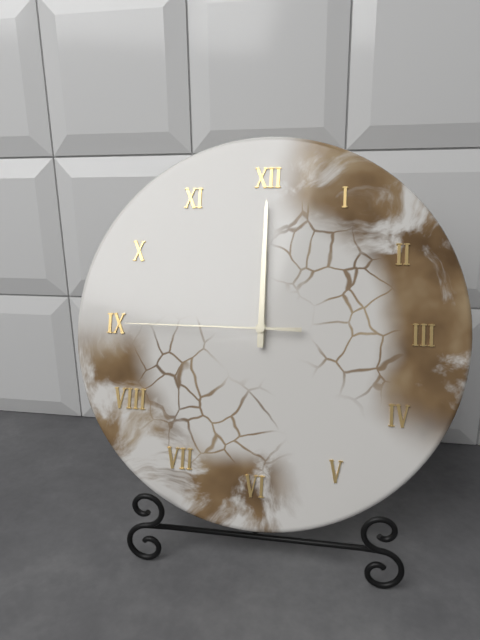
12.00.45
